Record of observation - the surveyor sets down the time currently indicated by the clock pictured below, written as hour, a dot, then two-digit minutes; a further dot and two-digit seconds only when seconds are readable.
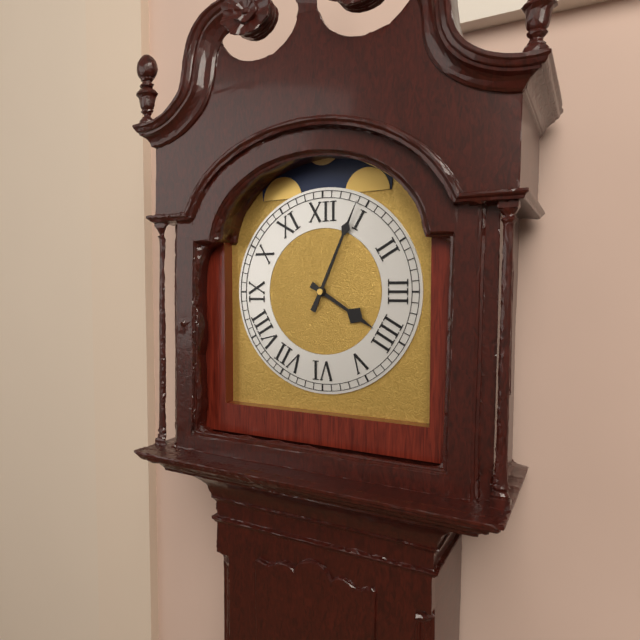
4.04
